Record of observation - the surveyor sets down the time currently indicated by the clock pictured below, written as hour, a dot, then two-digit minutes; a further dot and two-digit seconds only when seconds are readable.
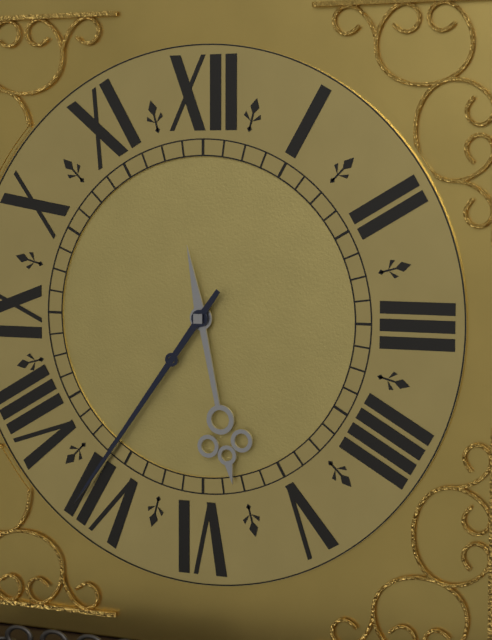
5.36
